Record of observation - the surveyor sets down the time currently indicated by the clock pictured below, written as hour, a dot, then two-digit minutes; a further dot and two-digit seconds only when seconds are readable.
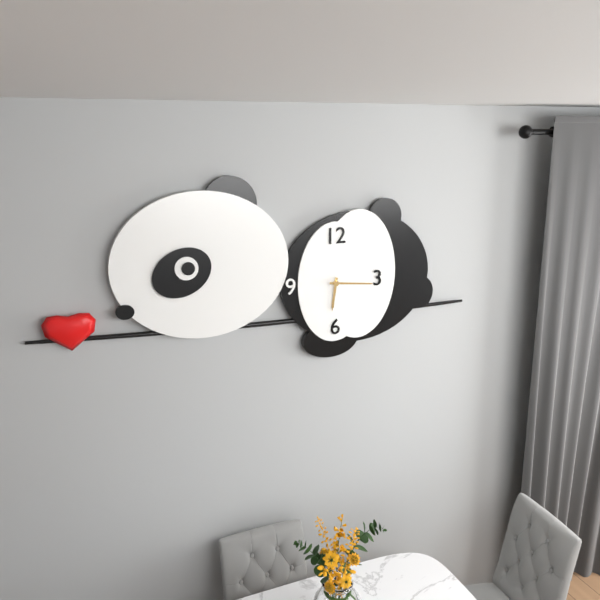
6.16
